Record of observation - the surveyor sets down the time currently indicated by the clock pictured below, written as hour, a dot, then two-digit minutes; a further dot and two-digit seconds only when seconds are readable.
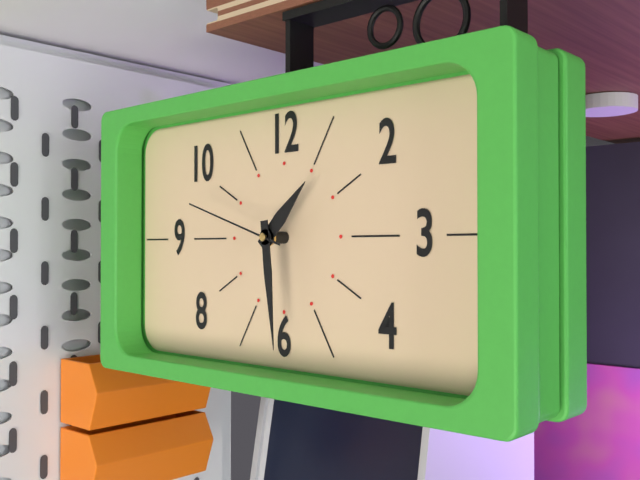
1.29.48
